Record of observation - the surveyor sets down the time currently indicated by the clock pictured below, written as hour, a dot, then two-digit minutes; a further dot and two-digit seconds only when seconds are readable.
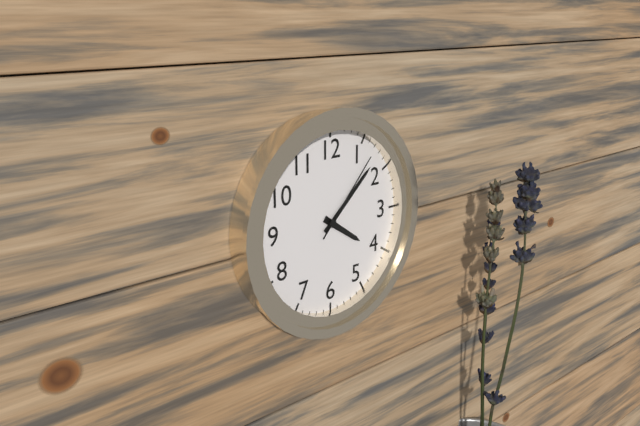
4.08.07
